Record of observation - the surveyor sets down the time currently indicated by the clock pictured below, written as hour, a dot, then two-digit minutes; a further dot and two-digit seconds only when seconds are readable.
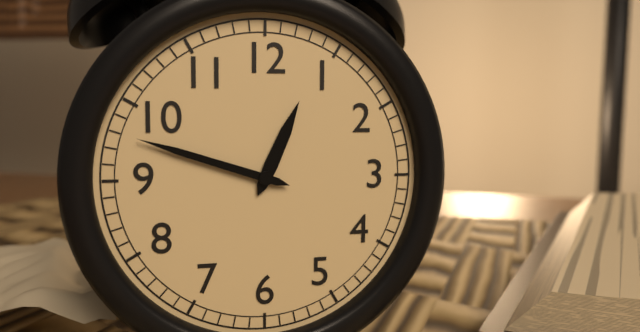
12.48
